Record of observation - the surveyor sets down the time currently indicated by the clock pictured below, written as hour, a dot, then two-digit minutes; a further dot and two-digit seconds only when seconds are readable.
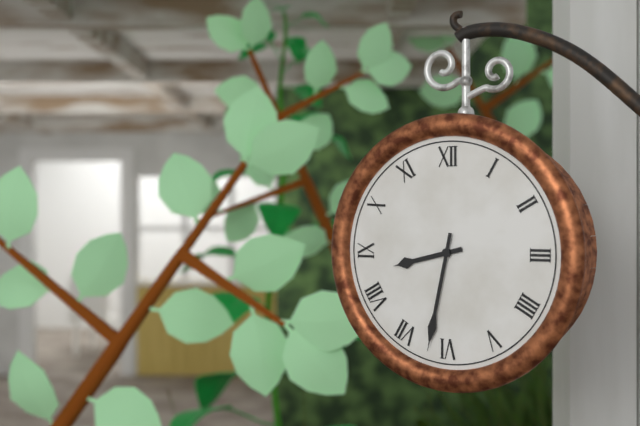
8.32
